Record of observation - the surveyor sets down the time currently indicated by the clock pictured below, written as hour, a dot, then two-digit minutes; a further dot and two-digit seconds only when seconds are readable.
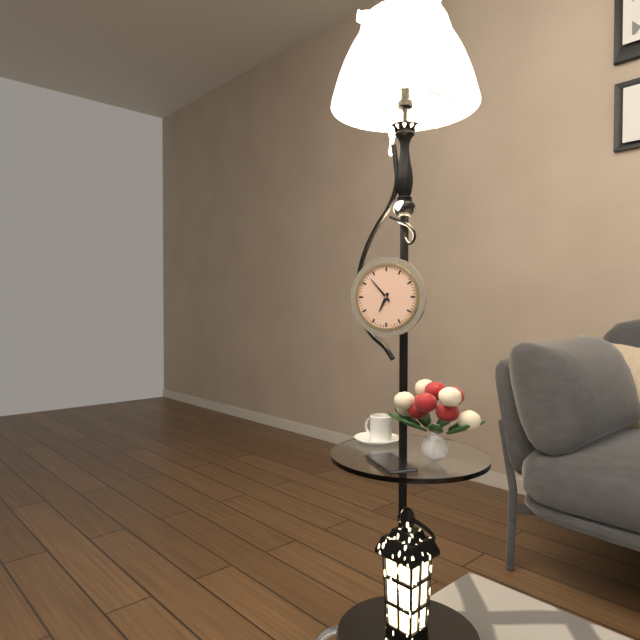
6.53
